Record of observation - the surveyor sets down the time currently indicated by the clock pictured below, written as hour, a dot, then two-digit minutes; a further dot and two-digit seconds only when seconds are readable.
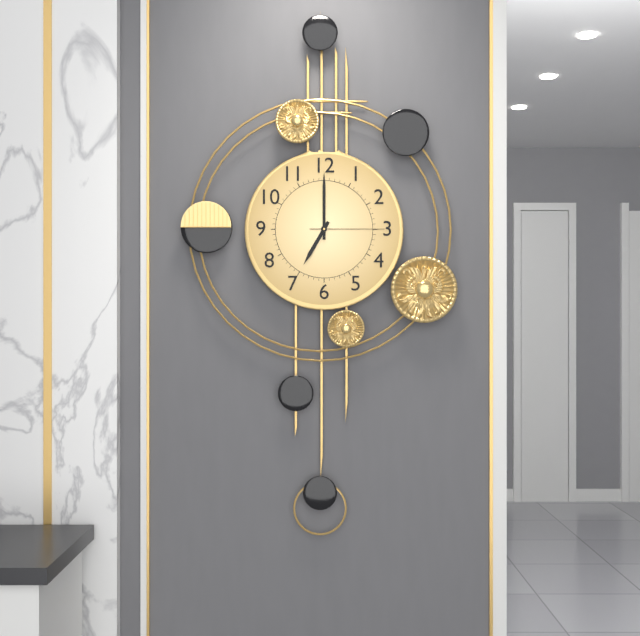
7.00.15
